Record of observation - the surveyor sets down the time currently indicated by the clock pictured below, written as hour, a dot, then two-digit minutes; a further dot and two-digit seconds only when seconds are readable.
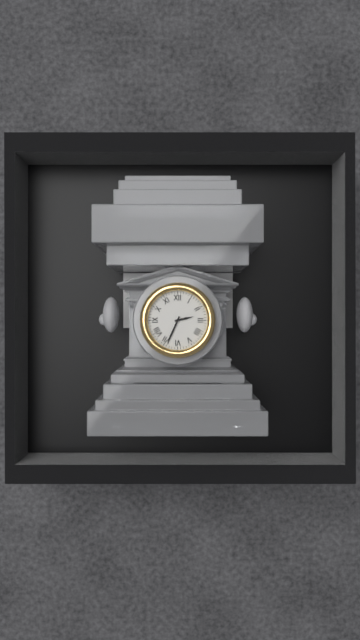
2.34
